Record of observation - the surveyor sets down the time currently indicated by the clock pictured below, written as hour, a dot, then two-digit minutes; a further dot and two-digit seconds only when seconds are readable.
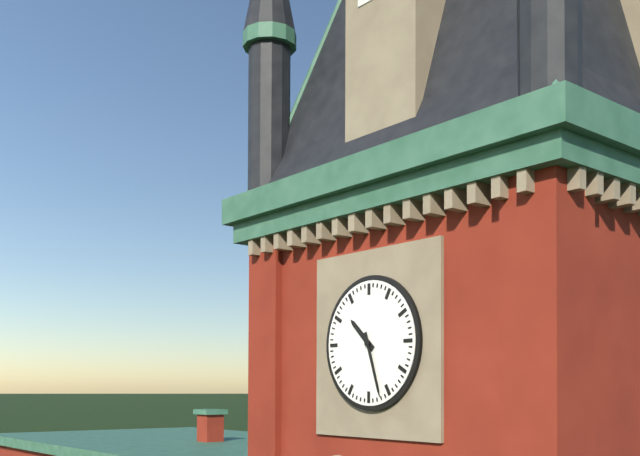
10.27
